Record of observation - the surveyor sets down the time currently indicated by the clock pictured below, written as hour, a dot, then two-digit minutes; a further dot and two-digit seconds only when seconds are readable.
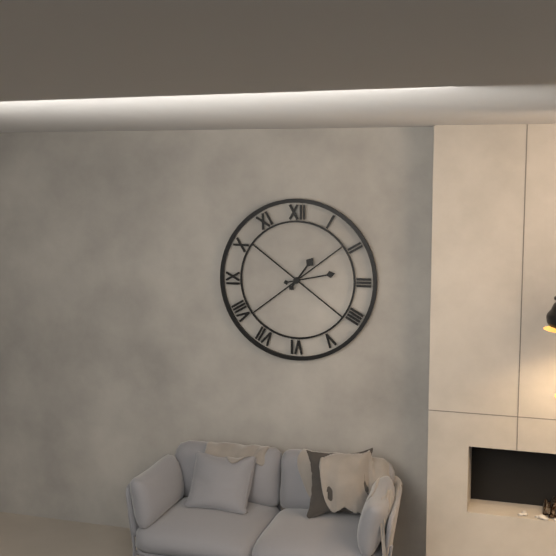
1.13
